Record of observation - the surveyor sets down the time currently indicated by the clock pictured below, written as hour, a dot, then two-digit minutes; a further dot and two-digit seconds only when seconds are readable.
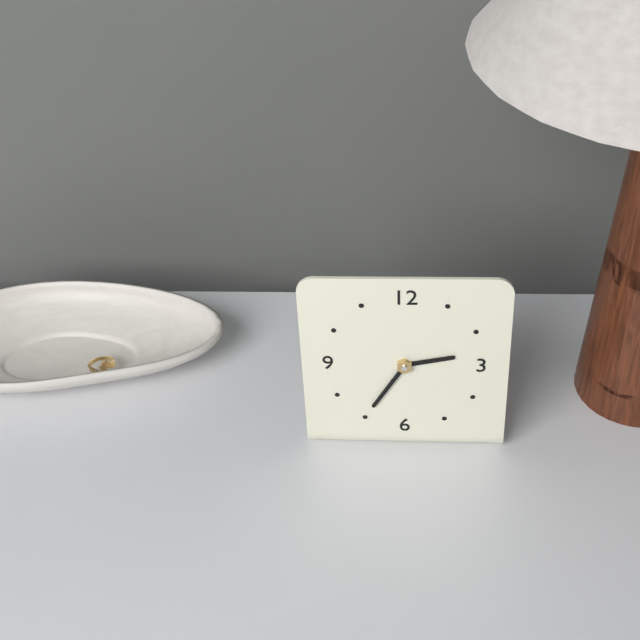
2.35
